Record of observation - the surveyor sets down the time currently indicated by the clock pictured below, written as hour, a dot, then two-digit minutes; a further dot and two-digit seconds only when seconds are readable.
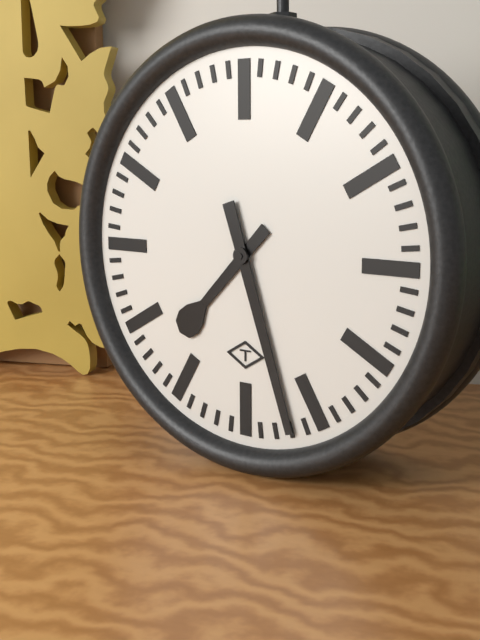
7.27
